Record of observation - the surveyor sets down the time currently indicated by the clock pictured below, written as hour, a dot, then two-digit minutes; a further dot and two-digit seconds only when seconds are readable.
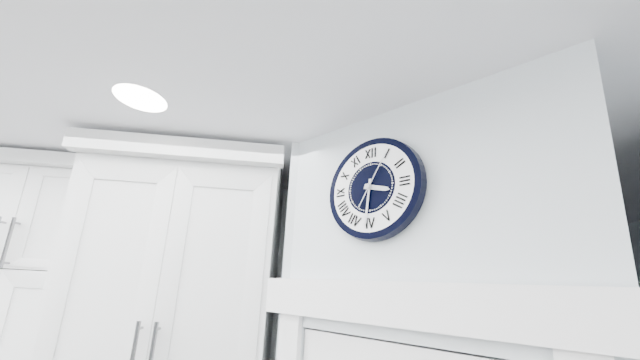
3.31.05
